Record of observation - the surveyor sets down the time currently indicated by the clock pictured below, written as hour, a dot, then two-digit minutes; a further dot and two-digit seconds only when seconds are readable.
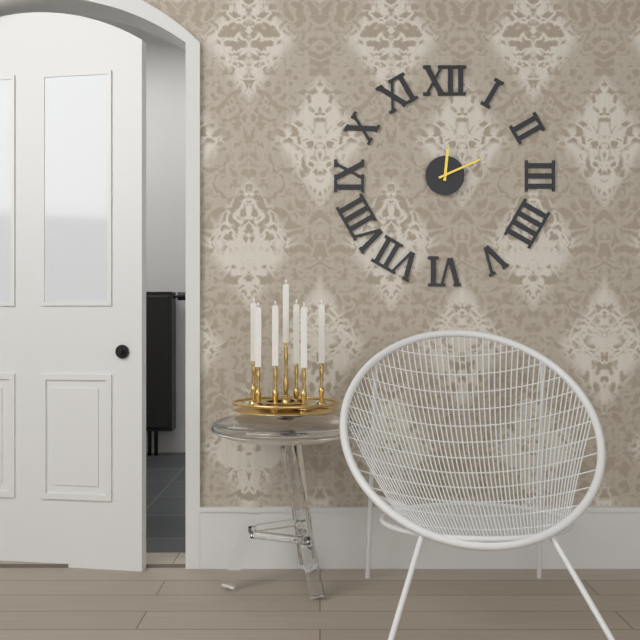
12.11
